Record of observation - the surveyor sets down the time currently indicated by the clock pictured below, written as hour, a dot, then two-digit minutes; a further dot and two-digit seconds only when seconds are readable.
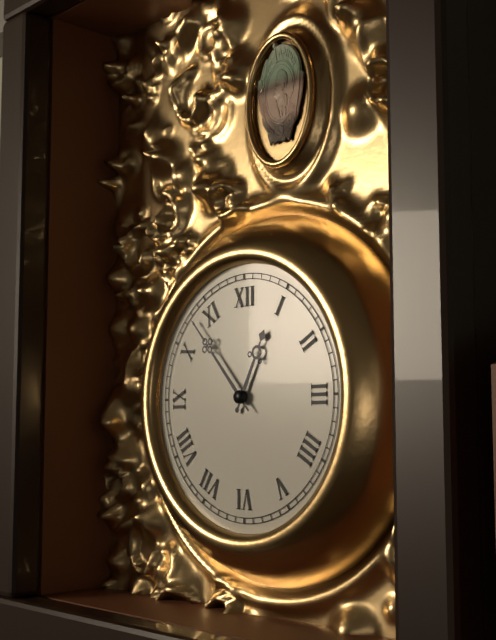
12.53
